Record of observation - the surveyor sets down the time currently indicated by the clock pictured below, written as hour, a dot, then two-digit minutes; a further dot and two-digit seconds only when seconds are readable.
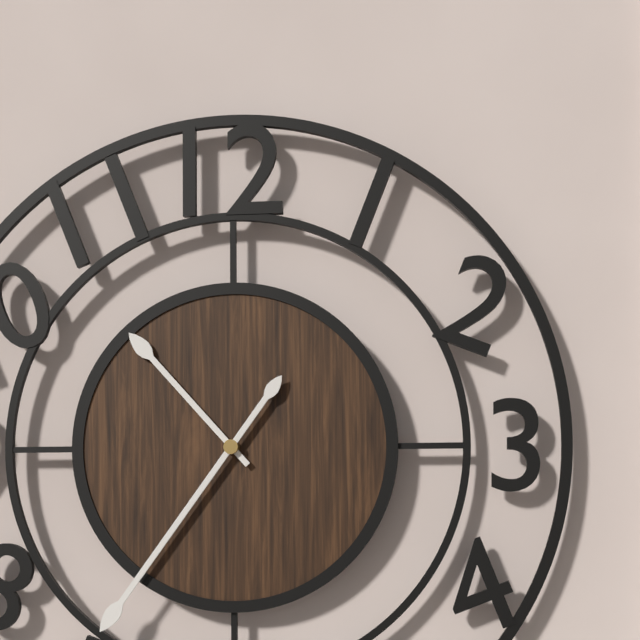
10.36
